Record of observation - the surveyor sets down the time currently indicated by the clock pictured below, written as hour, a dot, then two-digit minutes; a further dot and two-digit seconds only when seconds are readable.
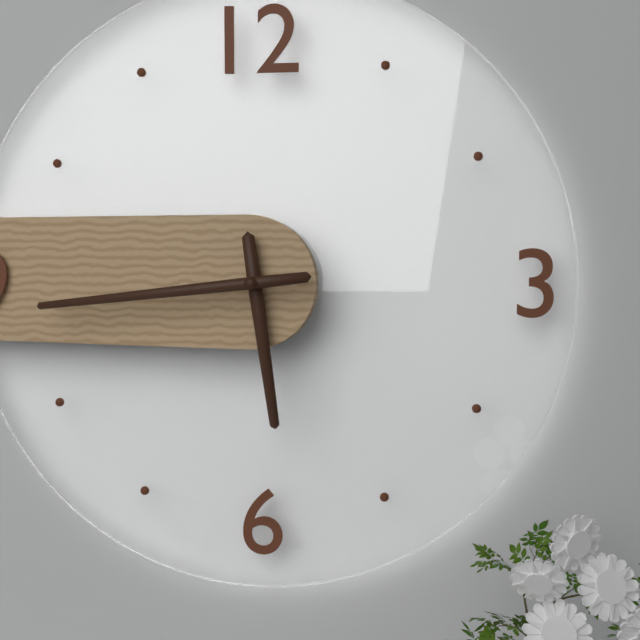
5.44
